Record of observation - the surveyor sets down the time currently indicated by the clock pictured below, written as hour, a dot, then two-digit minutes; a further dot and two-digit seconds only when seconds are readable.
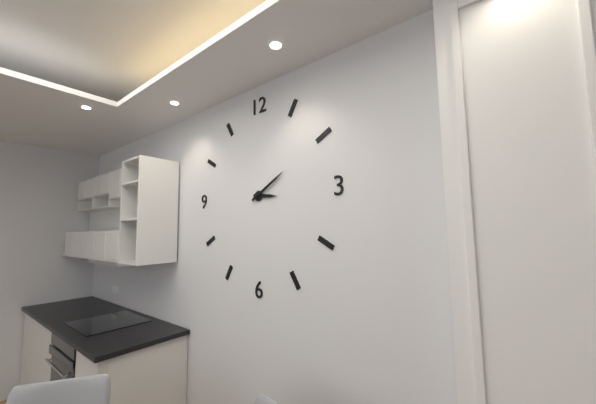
3.10
